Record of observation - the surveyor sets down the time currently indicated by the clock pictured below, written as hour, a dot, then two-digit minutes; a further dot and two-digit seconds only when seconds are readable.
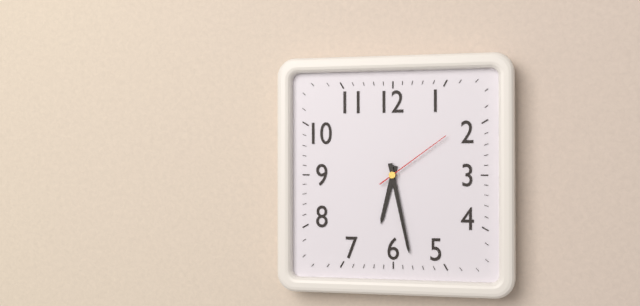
6.28.09
